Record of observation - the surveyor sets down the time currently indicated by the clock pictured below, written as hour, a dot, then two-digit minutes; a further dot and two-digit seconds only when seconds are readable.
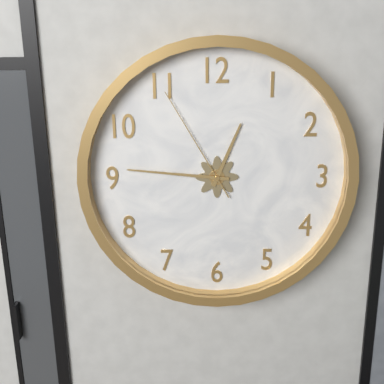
12.46.55
